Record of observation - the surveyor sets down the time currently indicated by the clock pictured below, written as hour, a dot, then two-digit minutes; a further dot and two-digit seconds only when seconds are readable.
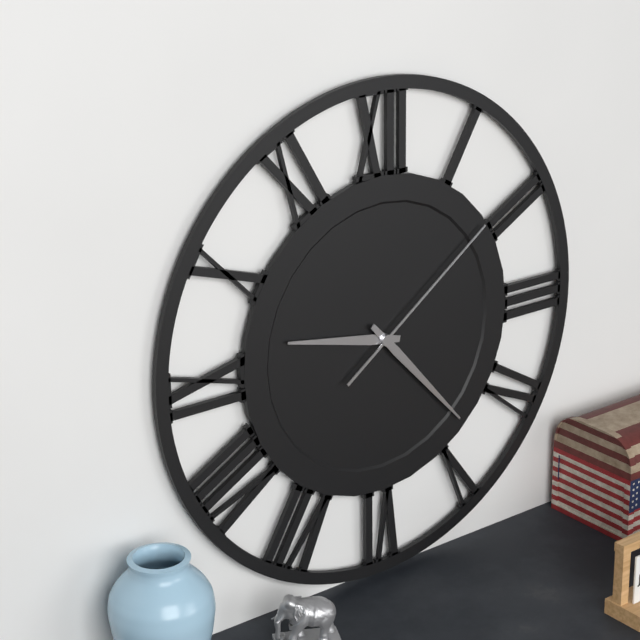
9.23.09
